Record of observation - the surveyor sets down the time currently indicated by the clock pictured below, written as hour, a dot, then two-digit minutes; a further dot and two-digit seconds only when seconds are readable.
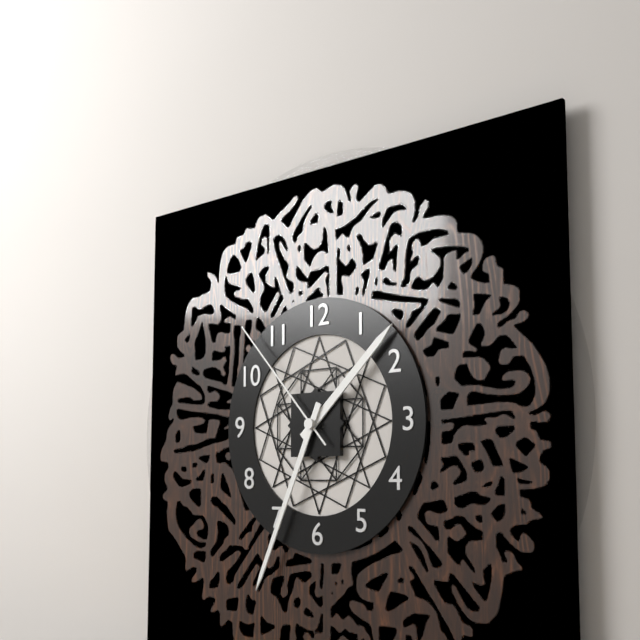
1.34.53
